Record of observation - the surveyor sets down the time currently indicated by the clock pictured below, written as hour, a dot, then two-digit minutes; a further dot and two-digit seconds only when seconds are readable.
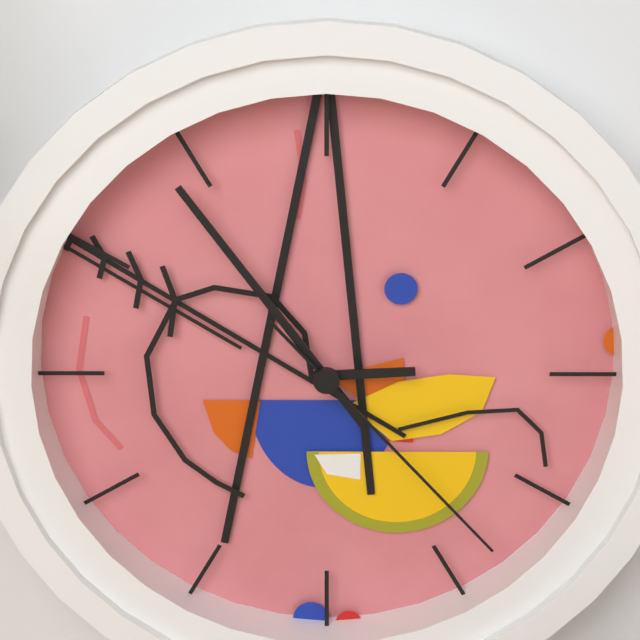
2.54.23
